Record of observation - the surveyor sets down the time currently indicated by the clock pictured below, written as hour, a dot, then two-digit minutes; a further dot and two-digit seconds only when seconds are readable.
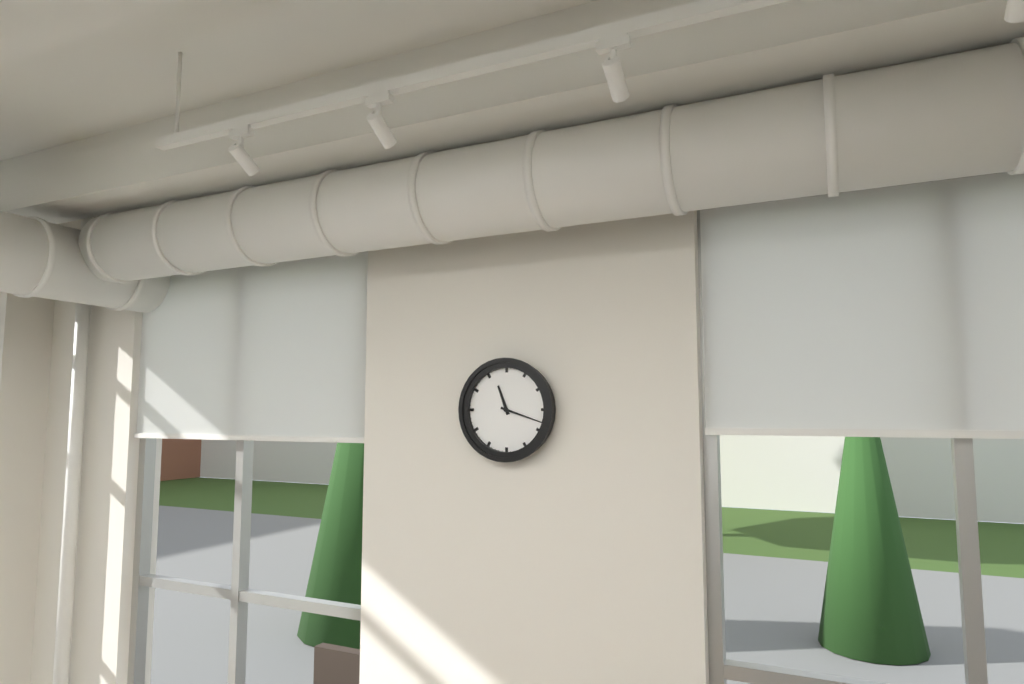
11.18
